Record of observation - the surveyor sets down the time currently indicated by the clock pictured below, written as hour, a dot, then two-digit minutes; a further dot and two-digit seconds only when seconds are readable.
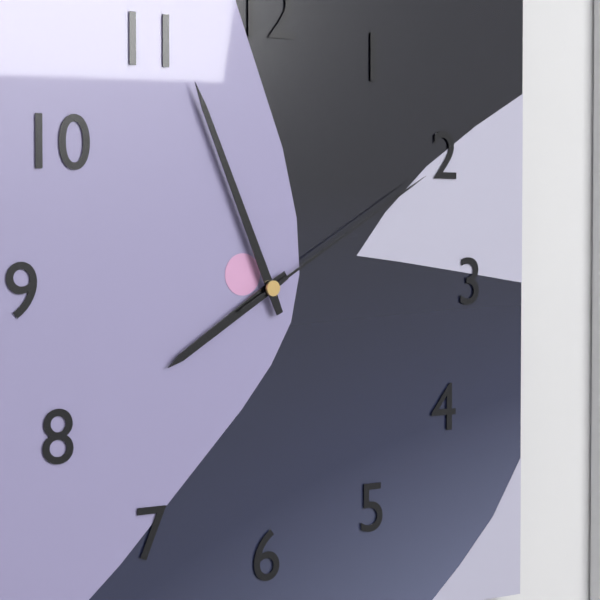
7.56.10
